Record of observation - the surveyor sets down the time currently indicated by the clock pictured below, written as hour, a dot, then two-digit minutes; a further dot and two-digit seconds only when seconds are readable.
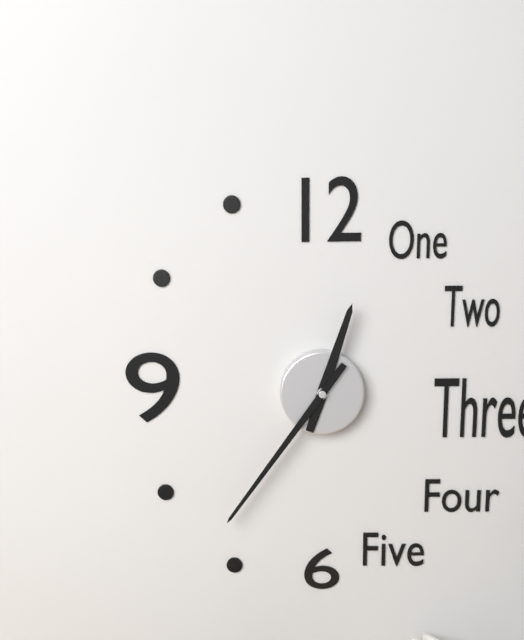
12.36
